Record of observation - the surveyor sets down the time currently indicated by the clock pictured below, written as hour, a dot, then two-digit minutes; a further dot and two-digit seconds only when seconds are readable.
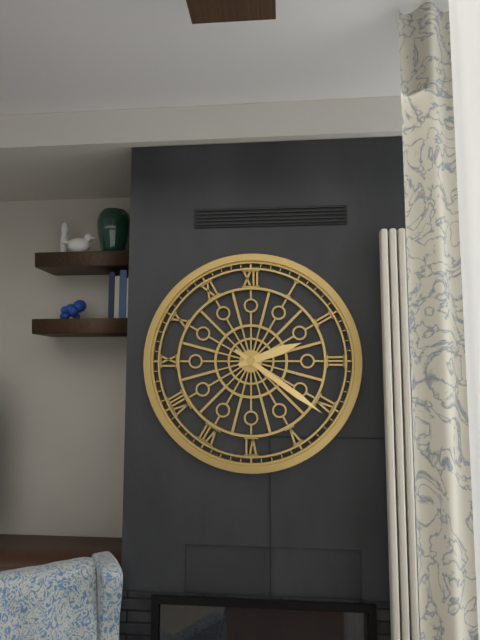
2.21
